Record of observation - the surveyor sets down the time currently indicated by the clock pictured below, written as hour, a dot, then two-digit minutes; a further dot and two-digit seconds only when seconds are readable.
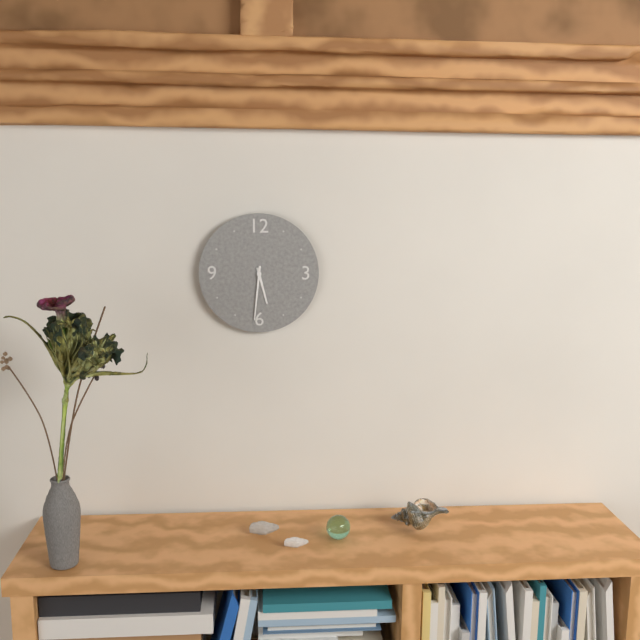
5.31
